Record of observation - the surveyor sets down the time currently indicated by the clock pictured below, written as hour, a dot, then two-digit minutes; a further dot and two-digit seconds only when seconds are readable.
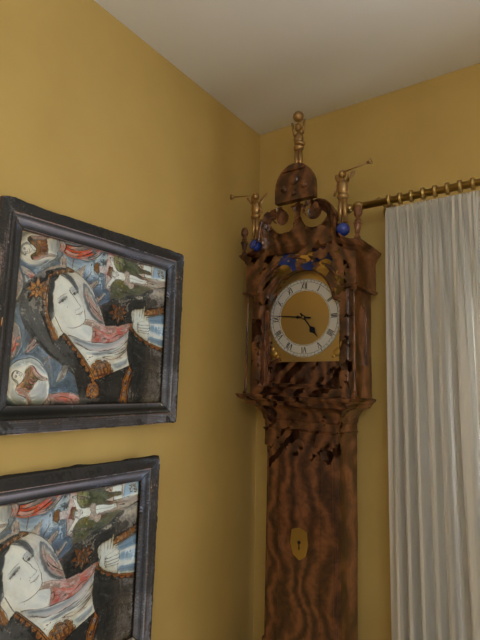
4.46
